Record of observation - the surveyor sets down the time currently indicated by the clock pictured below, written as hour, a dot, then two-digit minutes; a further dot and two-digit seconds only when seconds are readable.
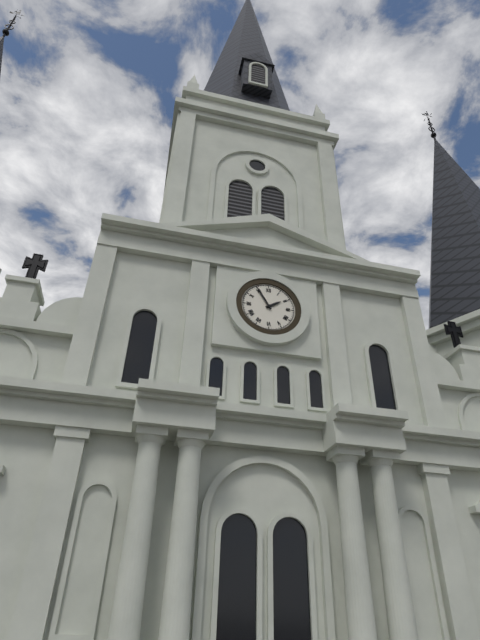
1.55
